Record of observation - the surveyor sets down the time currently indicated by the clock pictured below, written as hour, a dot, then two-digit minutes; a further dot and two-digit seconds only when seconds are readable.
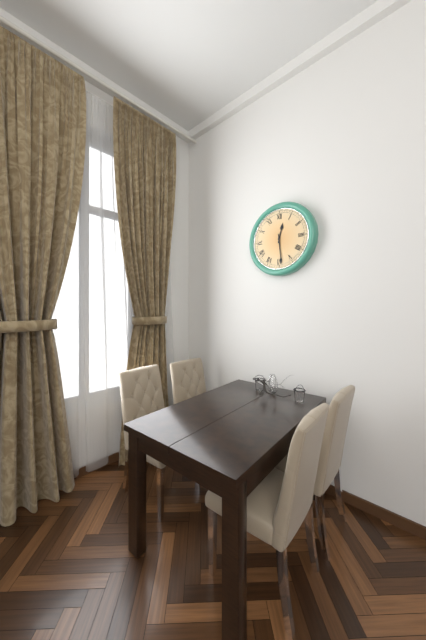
12.29
